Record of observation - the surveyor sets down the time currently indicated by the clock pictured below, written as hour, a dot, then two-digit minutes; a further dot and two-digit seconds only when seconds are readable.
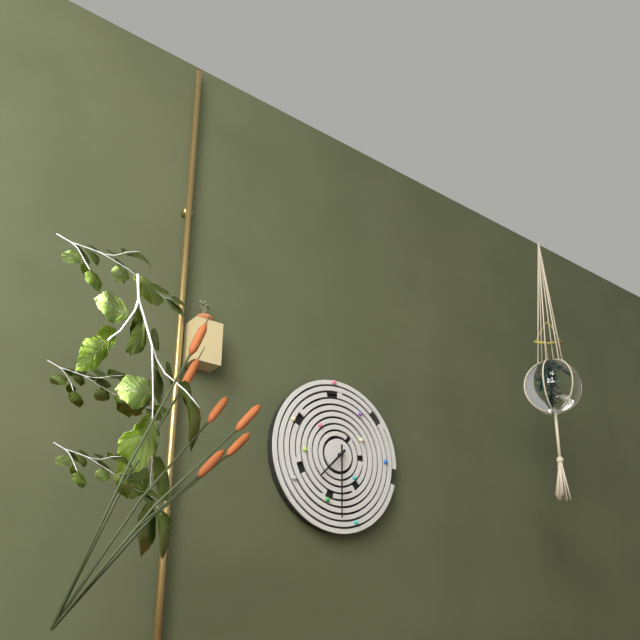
7.30
